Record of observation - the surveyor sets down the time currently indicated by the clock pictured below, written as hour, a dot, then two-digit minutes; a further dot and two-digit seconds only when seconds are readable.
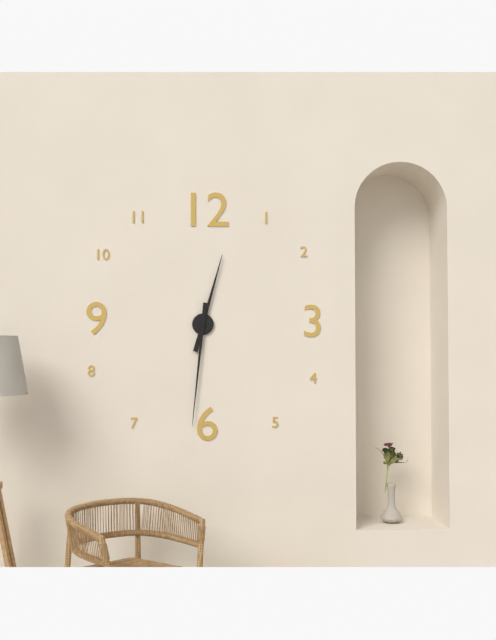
12.31
